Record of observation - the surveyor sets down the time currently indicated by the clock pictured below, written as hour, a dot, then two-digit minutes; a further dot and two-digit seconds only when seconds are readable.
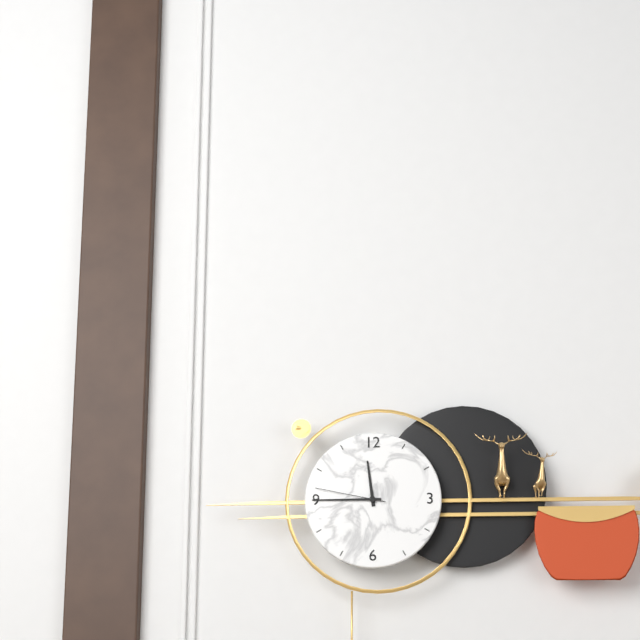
11.45.47
